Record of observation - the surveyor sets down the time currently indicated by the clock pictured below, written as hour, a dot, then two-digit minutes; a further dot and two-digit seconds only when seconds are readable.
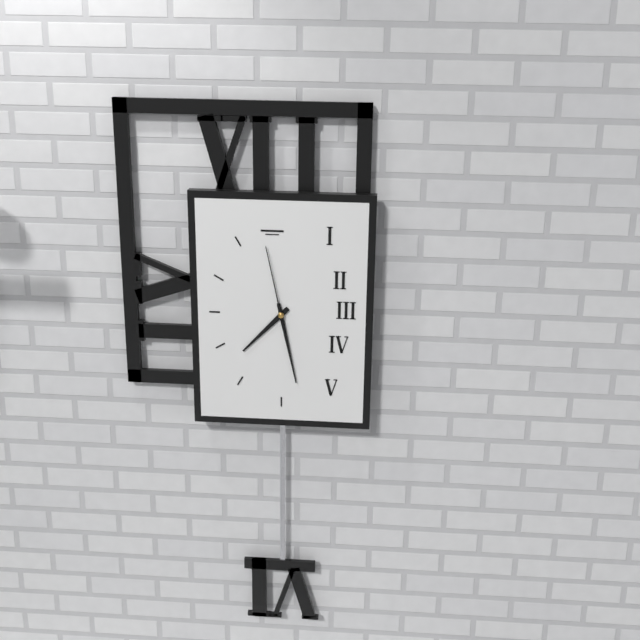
7.28.58
